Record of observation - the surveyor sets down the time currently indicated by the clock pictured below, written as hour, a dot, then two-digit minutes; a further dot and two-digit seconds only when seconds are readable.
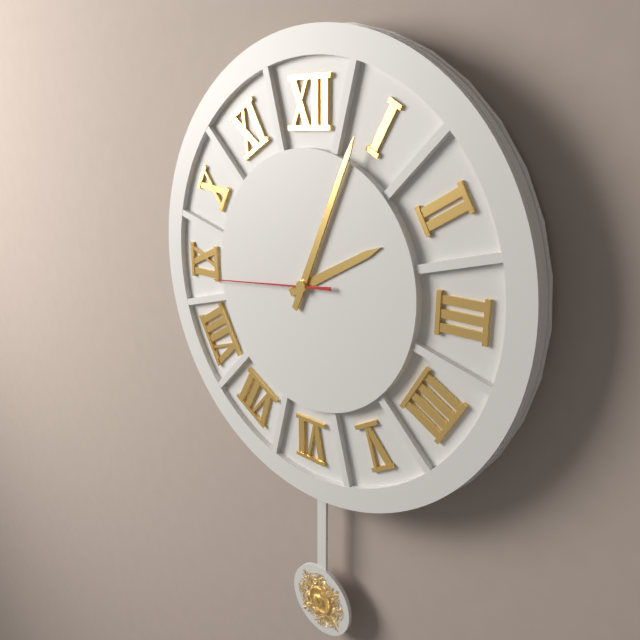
2.04.44
